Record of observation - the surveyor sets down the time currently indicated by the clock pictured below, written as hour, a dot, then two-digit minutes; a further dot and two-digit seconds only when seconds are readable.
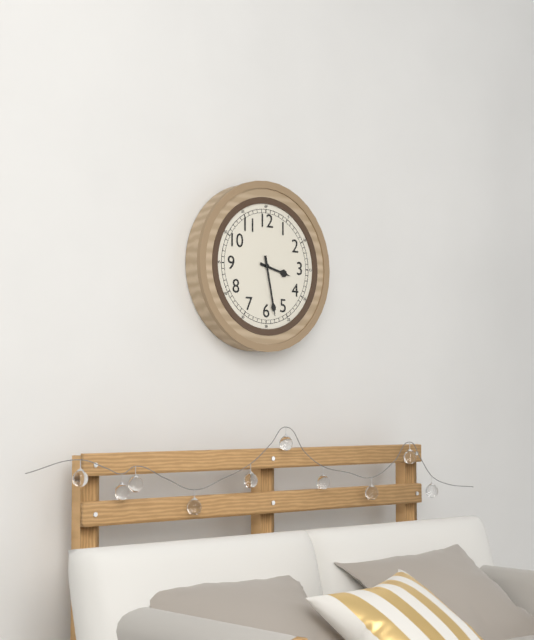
3.28
